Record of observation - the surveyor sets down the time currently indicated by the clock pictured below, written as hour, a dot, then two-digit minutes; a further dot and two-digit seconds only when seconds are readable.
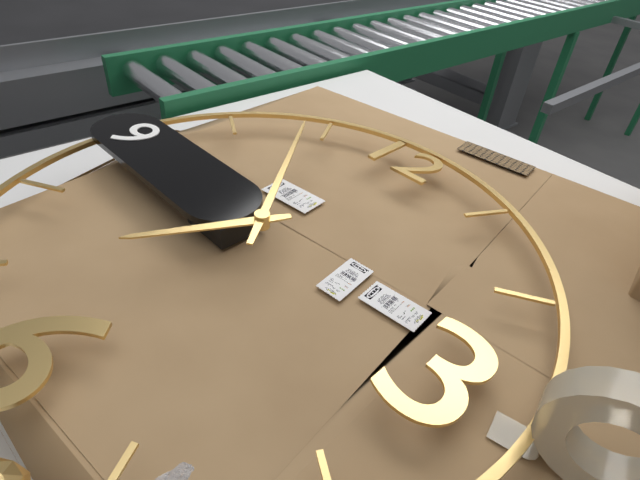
6.54
